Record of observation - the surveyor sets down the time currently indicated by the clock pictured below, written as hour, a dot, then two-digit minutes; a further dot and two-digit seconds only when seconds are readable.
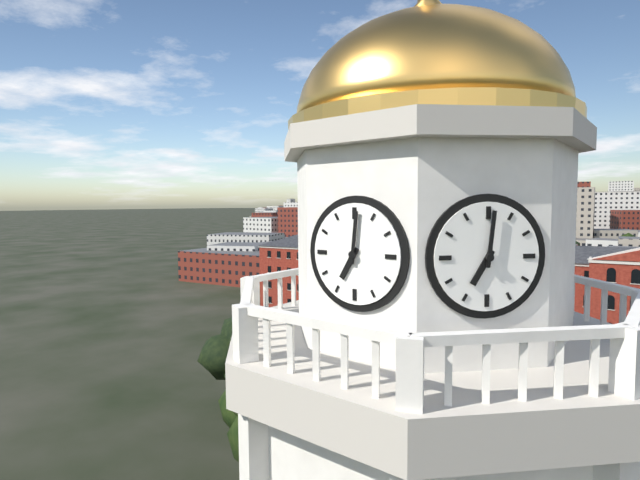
7.01
